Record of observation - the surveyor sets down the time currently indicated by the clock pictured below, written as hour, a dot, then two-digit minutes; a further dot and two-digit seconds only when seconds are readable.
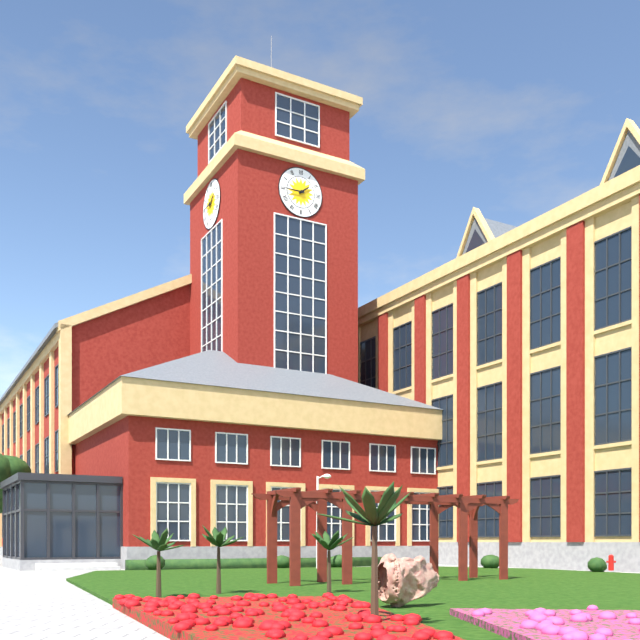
1.45
